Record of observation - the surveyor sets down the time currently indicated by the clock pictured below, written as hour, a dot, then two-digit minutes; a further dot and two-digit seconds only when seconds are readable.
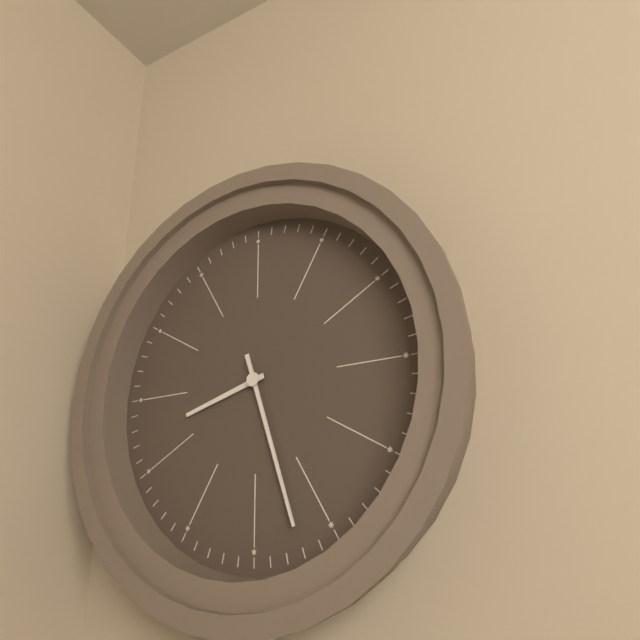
8.27
